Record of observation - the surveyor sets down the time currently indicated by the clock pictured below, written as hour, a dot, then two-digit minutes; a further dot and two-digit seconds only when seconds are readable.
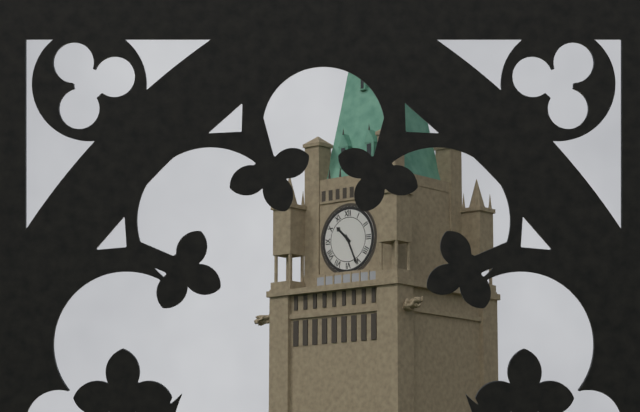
10.26
